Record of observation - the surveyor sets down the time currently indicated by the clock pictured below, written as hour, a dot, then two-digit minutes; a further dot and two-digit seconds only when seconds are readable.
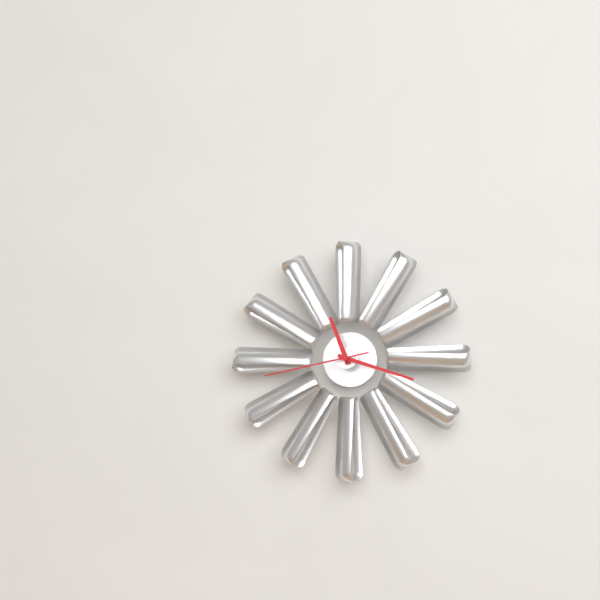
11.18.43
